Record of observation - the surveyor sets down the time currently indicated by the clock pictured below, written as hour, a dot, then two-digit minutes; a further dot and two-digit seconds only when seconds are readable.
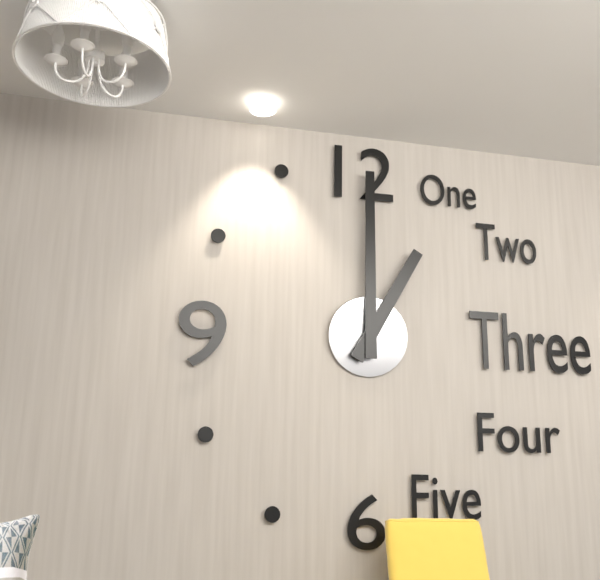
1.00
